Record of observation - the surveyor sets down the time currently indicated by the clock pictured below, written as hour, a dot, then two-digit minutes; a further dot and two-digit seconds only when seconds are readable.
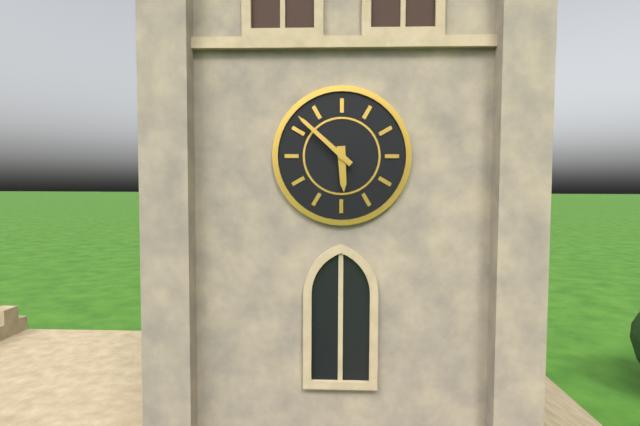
5.52
